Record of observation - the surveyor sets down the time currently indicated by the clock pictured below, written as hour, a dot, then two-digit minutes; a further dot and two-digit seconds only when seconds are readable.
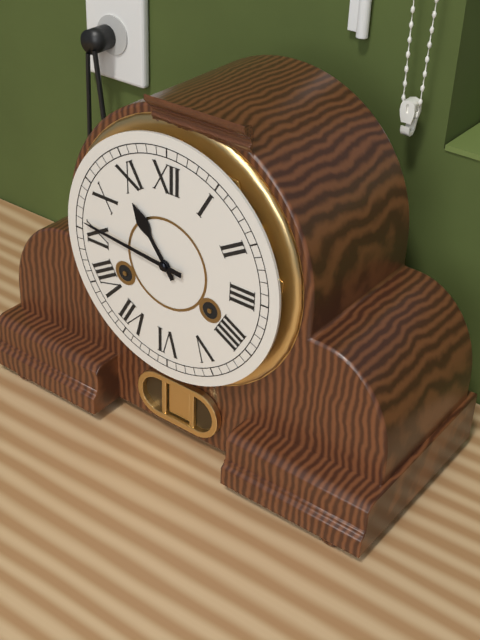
10.46
